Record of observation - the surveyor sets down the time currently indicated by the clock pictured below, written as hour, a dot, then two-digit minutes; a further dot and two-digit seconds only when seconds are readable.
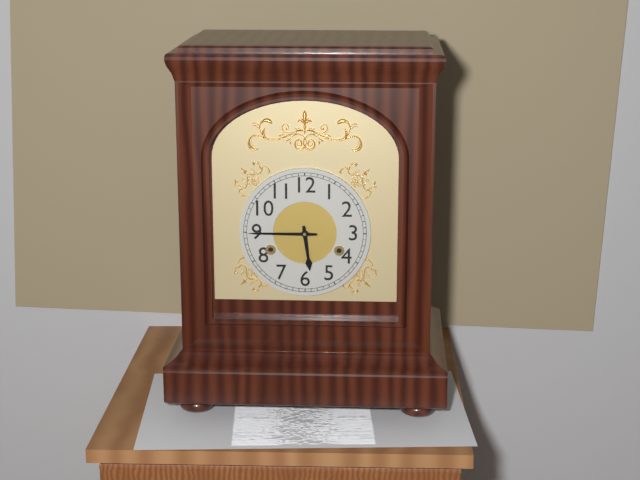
5.45
